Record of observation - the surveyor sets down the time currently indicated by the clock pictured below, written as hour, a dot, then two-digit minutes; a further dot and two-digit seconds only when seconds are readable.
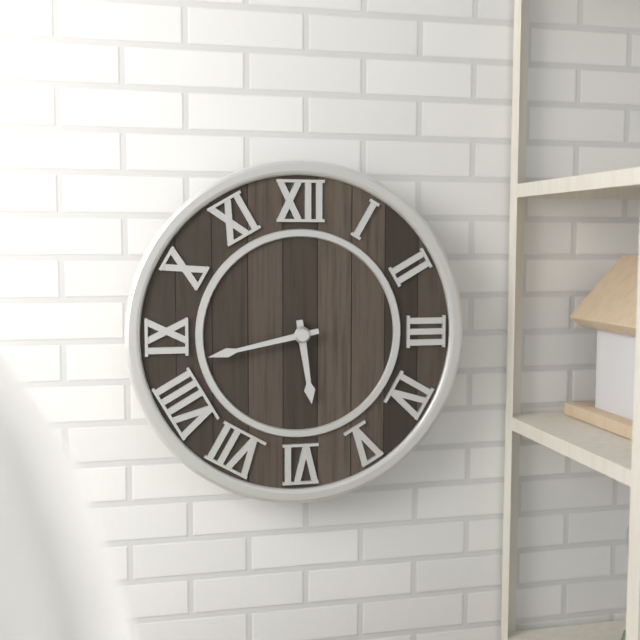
5.43
